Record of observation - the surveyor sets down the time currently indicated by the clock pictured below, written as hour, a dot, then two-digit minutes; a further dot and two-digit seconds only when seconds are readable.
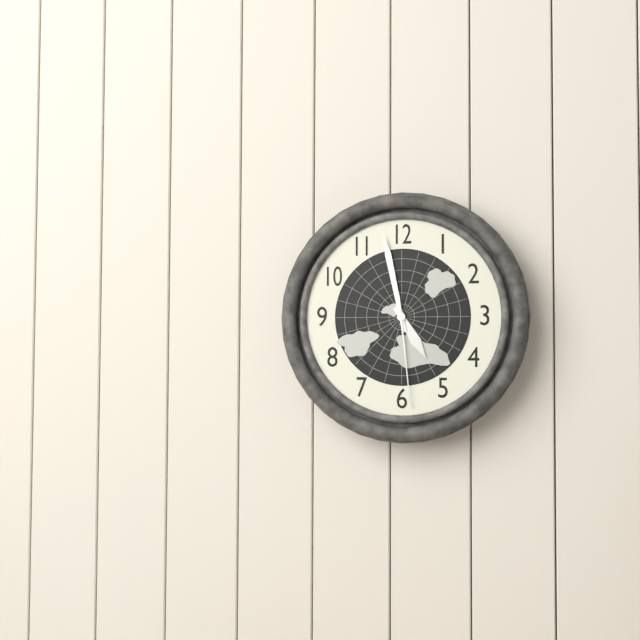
4.58.29
